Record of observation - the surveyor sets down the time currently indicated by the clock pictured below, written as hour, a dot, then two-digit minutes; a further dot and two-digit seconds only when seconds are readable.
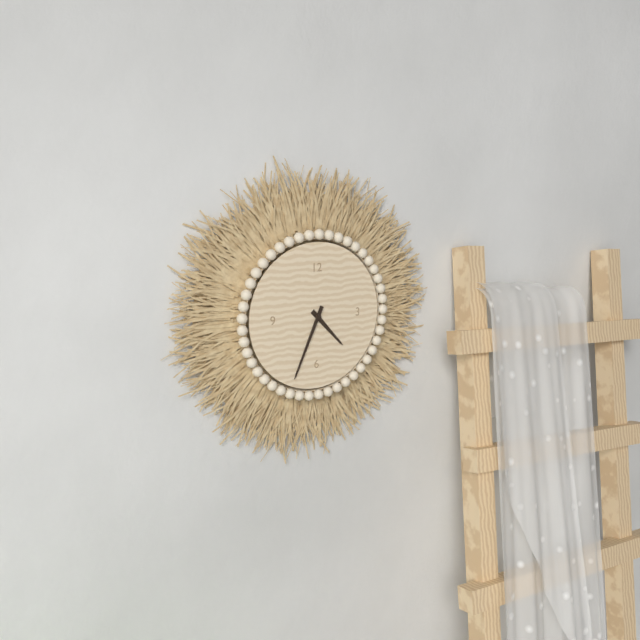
4.34
